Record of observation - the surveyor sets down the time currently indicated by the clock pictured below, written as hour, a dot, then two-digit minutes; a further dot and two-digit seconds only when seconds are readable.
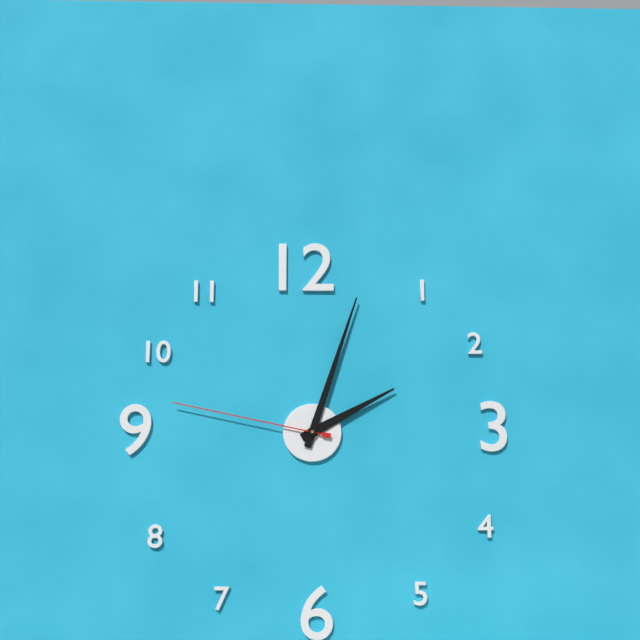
2.03.47
